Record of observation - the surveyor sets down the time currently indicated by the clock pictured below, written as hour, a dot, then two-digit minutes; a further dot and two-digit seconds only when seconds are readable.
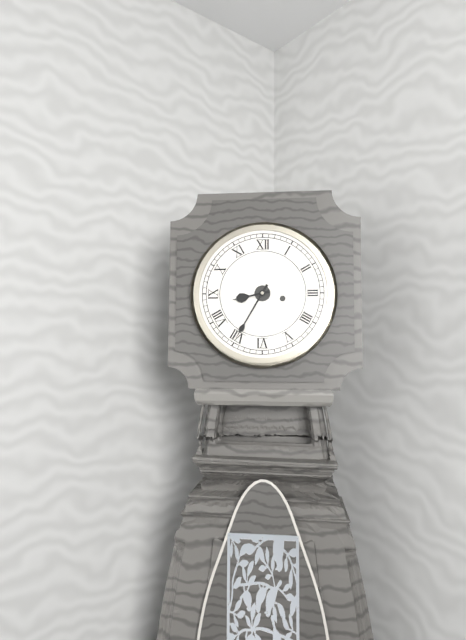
8.35
